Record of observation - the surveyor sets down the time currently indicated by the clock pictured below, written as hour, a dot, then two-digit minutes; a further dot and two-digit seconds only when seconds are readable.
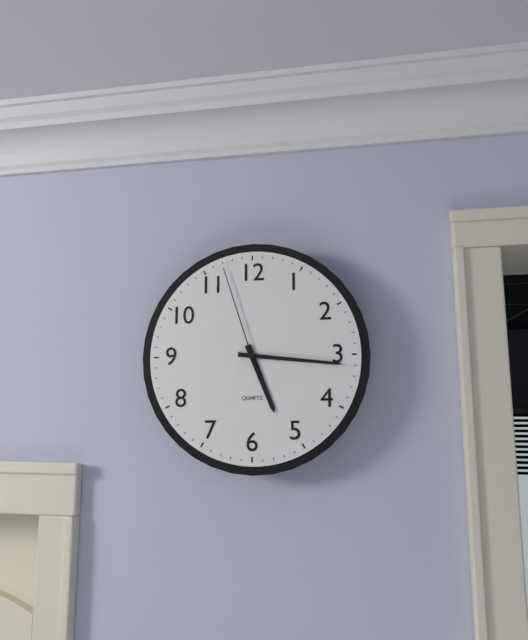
5.16.57
